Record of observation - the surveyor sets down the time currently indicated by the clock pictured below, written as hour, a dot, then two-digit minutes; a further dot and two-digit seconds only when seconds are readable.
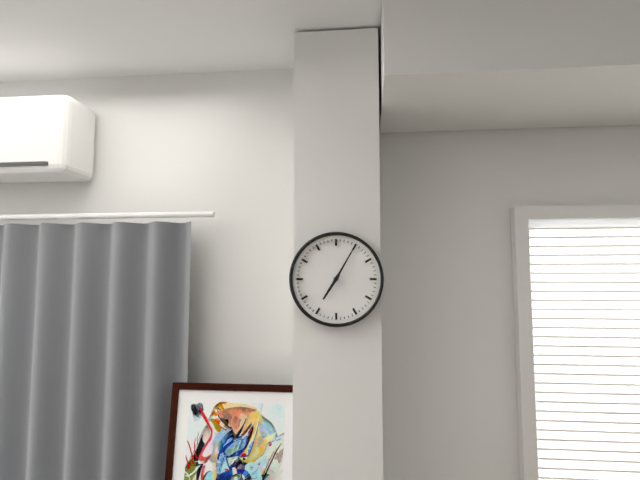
7.05
